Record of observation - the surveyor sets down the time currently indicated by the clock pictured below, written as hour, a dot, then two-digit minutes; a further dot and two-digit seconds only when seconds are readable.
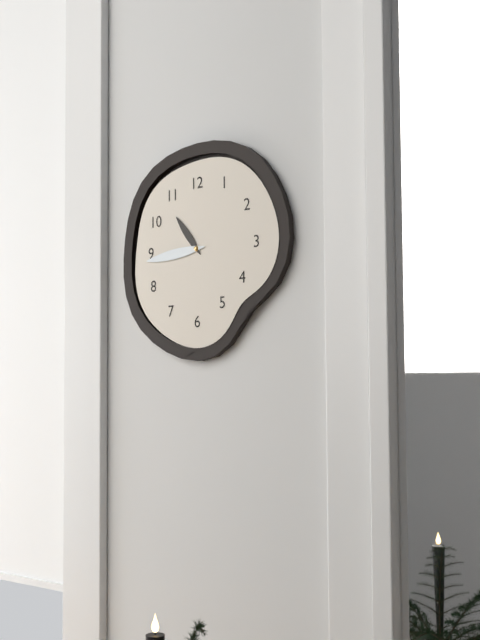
10.44
